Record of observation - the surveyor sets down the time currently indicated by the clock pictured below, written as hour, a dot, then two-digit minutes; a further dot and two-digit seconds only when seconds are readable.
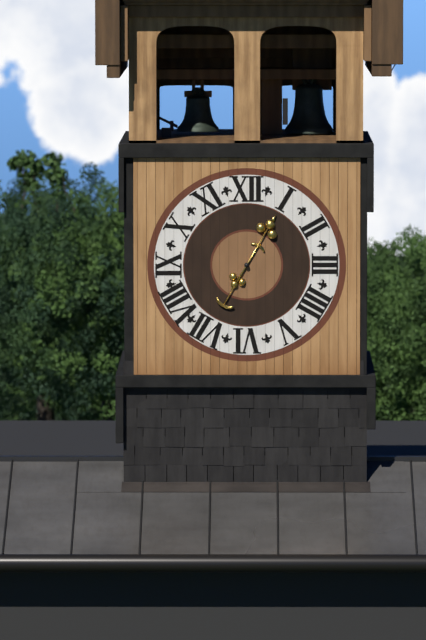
7.05
